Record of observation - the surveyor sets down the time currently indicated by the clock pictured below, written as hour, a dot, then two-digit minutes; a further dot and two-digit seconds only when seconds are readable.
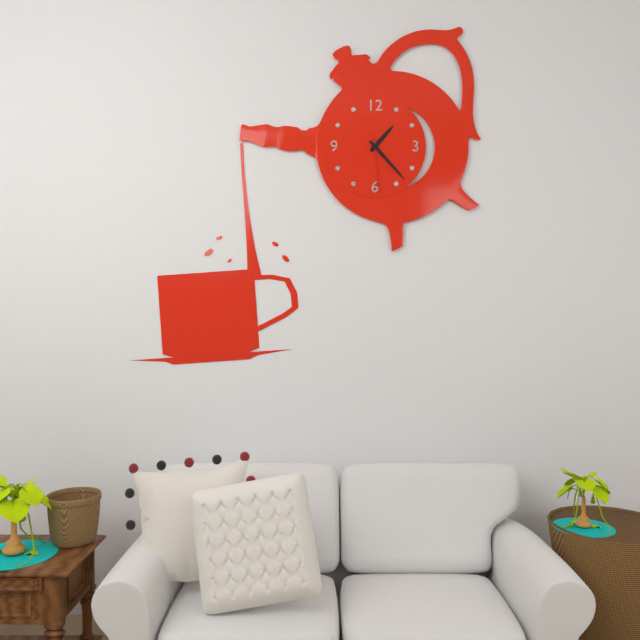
1.23.29
